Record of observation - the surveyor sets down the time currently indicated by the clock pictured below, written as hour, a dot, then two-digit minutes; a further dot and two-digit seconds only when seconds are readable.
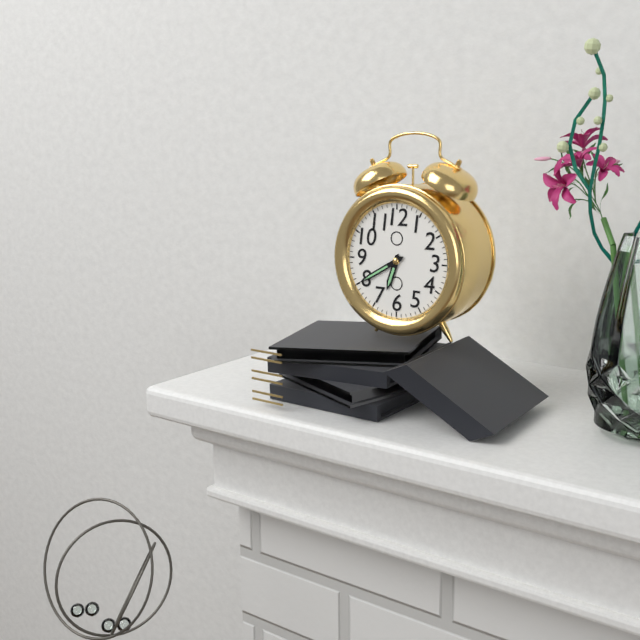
6.40
